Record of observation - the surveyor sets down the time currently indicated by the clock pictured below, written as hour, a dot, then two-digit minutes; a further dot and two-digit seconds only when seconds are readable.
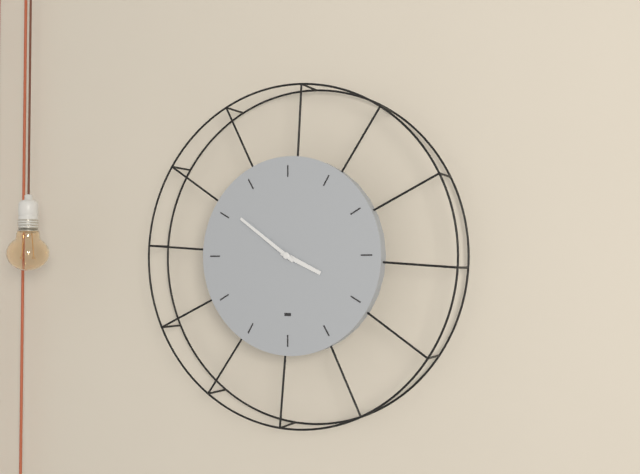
3.51
